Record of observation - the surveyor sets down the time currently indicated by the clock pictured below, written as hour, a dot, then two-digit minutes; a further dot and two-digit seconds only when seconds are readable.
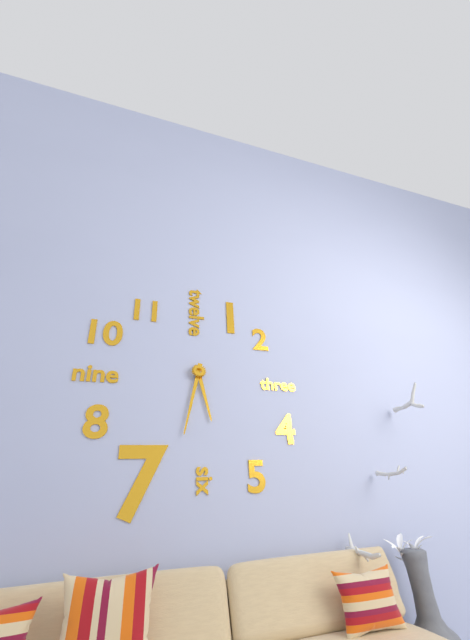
5.32
